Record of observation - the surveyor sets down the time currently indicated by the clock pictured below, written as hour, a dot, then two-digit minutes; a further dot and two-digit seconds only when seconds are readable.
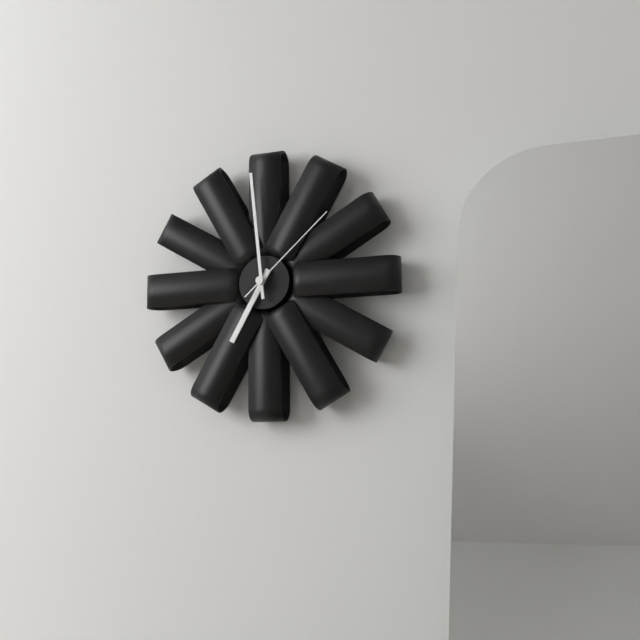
6.59.08
